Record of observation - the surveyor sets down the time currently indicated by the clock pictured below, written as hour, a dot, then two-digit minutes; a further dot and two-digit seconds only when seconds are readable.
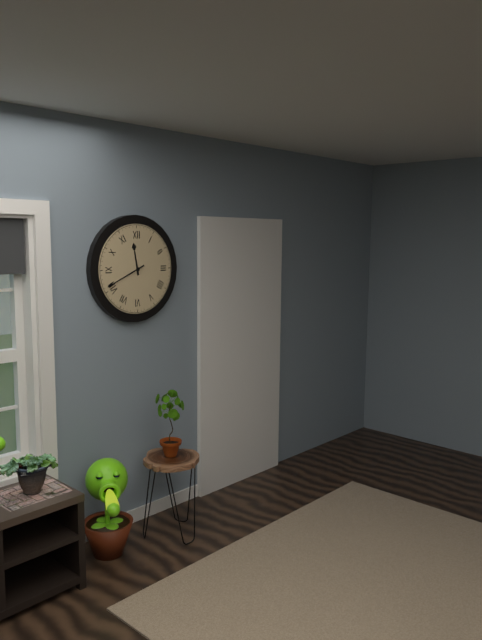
11.41
